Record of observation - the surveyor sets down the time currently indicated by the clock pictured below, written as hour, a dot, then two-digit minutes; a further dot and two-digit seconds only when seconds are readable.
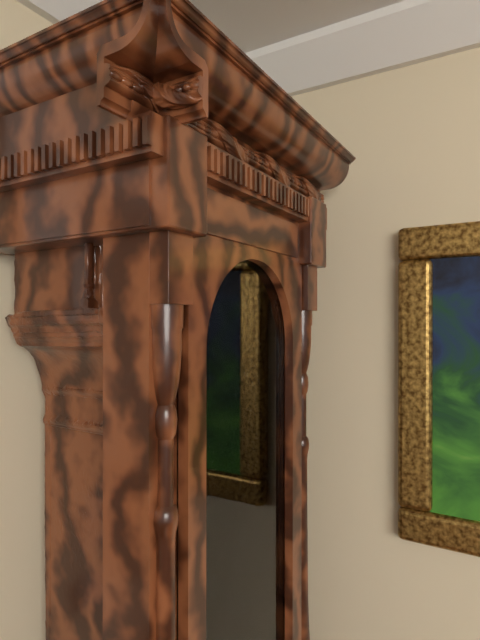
3.29
